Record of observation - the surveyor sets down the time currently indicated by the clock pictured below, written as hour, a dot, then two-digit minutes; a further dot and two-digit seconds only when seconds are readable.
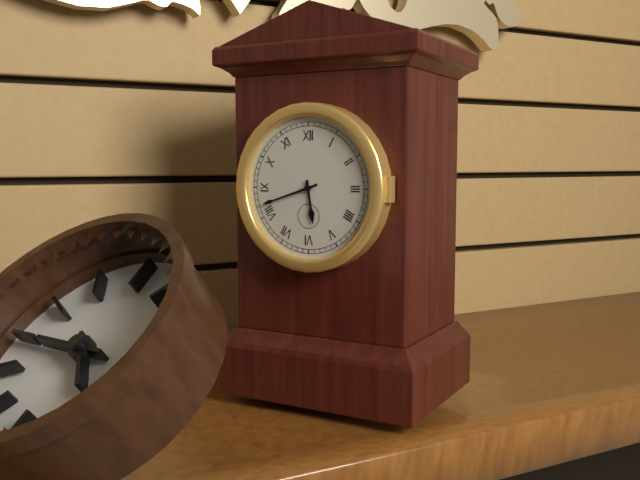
5.42
